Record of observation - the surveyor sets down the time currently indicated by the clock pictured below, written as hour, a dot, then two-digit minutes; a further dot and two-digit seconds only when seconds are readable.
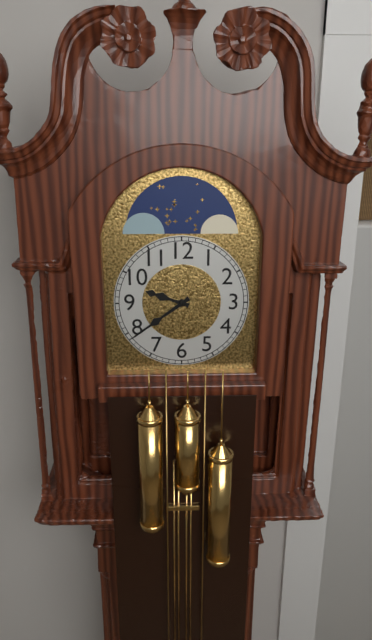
9.39
